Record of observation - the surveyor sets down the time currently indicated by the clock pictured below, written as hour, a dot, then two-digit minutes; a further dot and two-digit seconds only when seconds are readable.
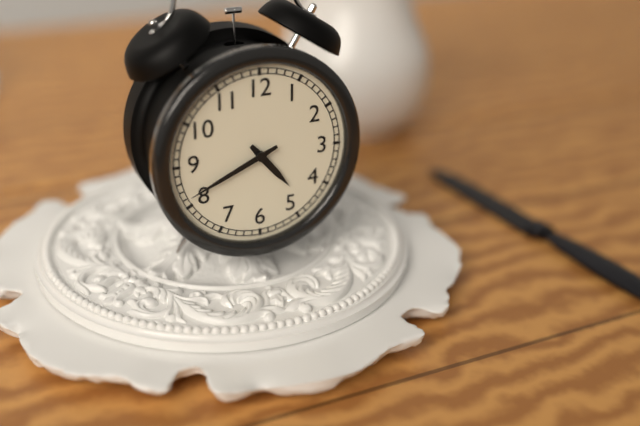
4.41
